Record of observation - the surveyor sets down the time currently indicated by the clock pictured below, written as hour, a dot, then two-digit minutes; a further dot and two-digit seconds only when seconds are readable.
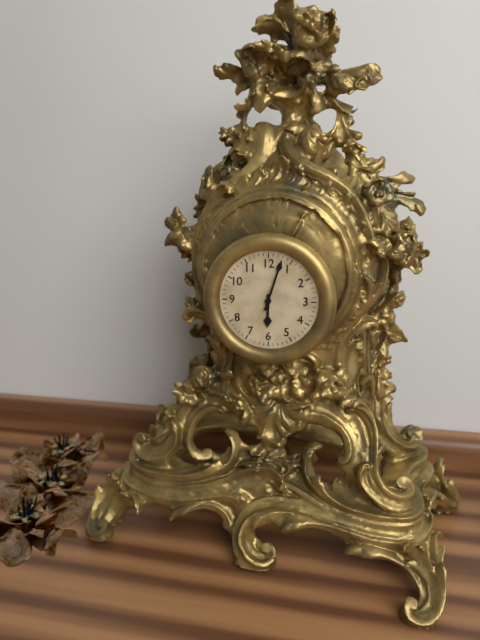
6.03
